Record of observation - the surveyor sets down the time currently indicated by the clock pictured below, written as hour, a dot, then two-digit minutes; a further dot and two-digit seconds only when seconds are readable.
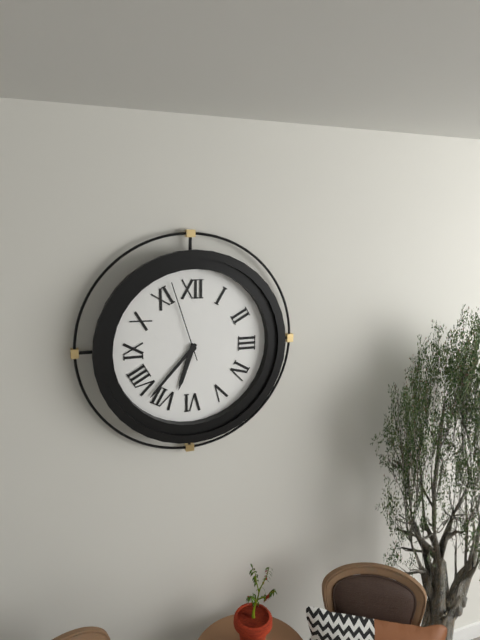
6.37.57
